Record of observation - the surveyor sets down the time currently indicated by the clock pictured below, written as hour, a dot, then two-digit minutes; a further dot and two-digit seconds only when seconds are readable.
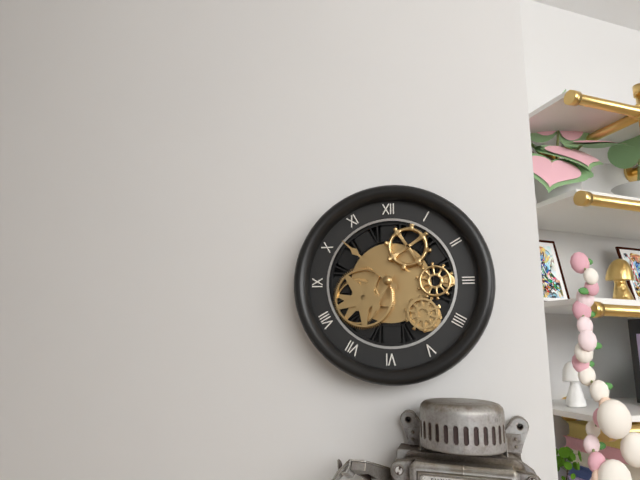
6.52
